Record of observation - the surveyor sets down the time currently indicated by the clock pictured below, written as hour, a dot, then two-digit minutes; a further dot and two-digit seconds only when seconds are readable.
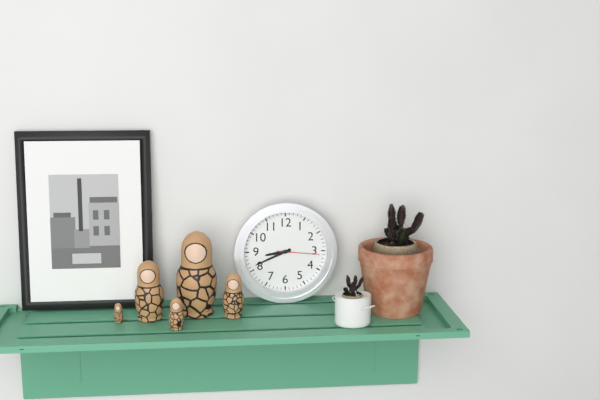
8.41
